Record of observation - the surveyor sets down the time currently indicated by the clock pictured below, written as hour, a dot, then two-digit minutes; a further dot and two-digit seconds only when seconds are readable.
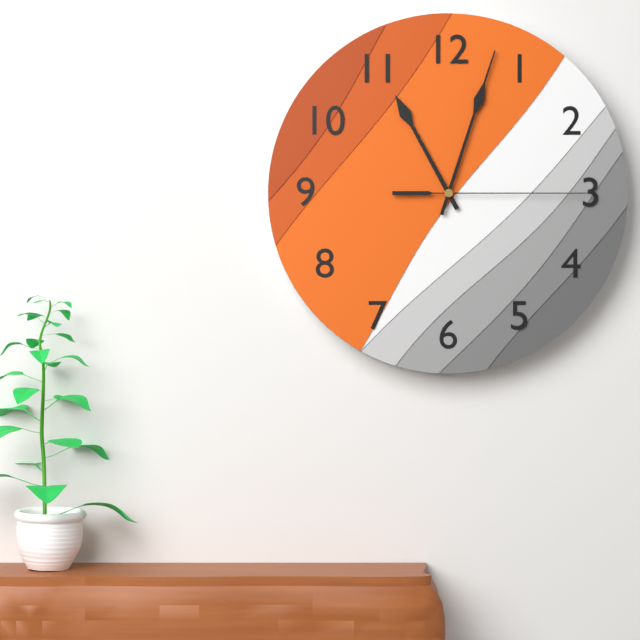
11.03.15
